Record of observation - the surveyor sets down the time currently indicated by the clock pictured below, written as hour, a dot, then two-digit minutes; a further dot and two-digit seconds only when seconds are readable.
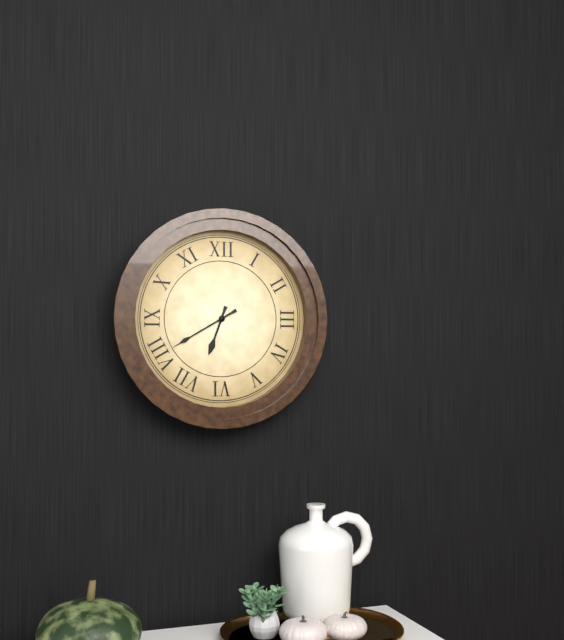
6.40
